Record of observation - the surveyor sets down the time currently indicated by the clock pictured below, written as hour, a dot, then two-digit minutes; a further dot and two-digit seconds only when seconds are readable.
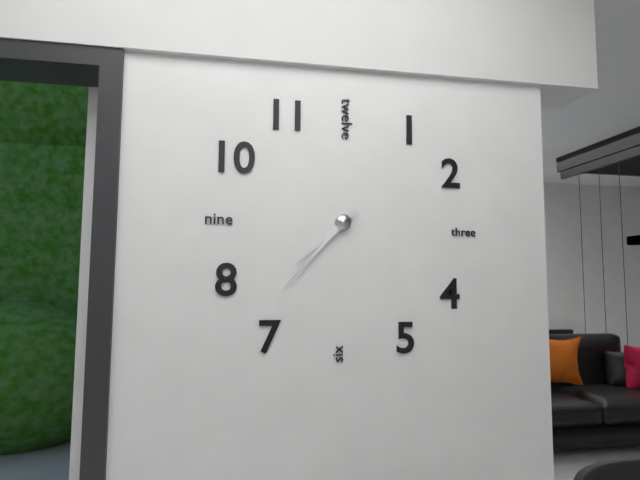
7.37
